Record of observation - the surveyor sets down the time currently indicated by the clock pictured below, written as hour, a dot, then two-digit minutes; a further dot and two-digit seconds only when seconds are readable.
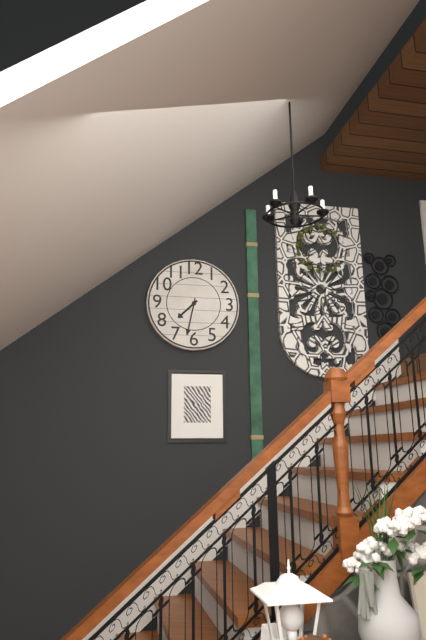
7.32
